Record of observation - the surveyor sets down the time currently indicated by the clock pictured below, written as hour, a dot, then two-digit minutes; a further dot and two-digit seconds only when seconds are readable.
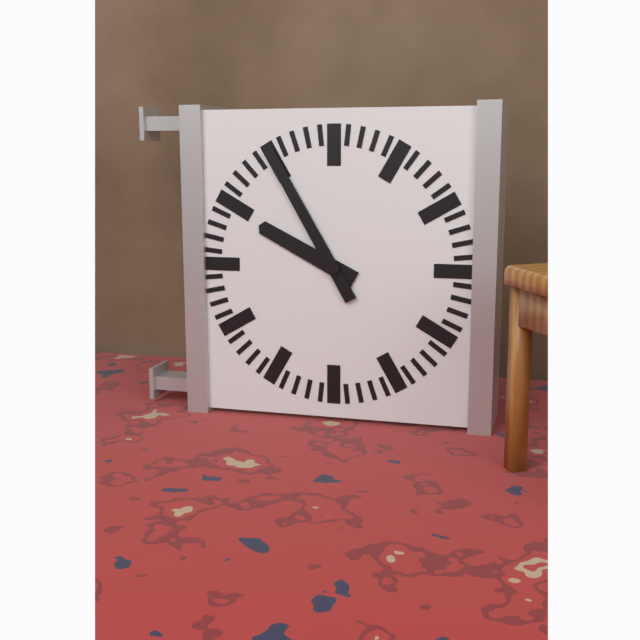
9.55
